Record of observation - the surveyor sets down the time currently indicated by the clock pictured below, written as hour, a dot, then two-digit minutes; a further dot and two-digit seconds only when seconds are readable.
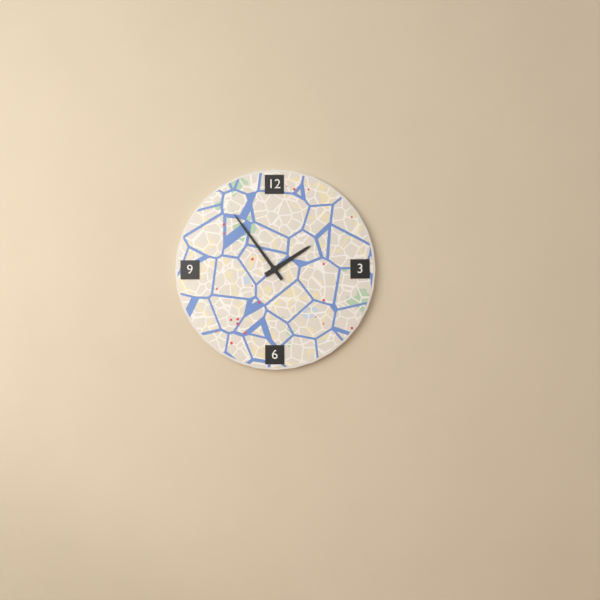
1.54
